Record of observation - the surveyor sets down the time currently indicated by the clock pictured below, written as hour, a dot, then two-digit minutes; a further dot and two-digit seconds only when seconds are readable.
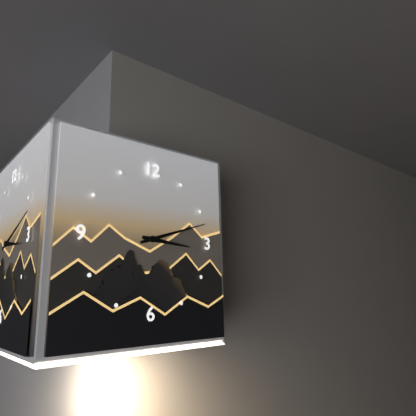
3.12
